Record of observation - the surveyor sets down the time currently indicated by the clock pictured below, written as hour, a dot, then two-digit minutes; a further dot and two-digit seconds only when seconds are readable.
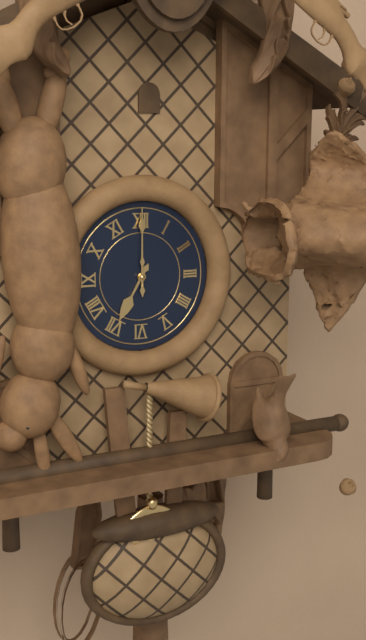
7.00
